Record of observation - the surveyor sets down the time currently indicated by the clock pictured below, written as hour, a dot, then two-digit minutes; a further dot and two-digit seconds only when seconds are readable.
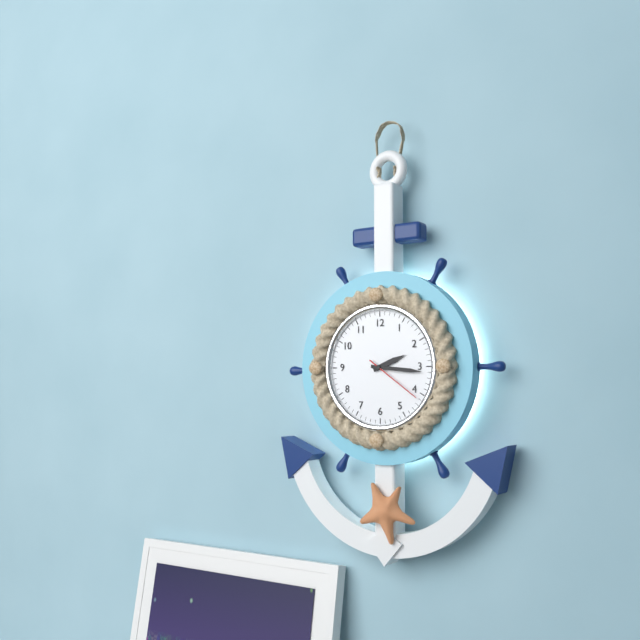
2.16.21
